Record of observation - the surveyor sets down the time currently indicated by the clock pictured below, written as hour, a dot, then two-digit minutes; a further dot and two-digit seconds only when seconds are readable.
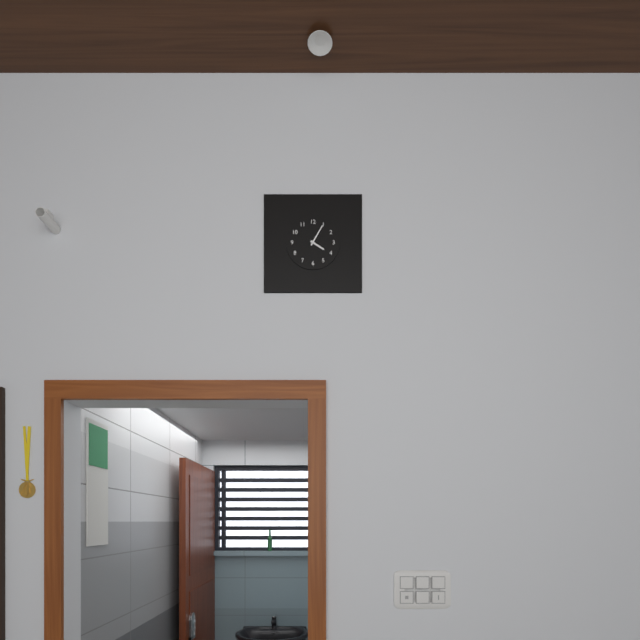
4.05
